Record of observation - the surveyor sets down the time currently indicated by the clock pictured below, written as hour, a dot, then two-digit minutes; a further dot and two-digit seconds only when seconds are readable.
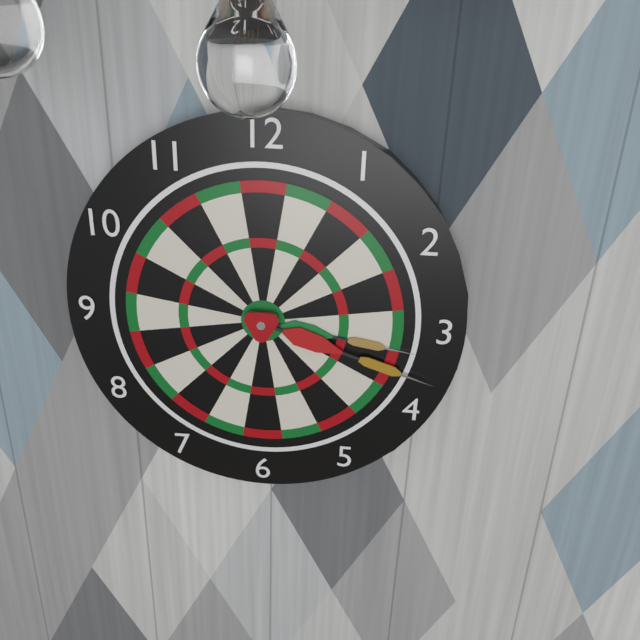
3.18
